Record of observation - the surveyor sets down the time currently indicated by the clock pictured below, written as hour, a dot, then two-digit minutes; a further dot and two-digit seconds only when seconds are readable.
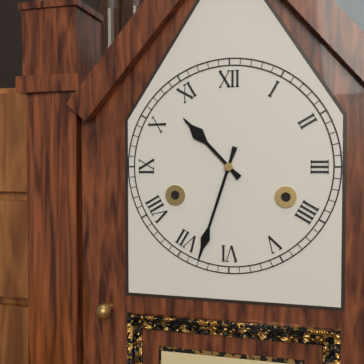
10.33
